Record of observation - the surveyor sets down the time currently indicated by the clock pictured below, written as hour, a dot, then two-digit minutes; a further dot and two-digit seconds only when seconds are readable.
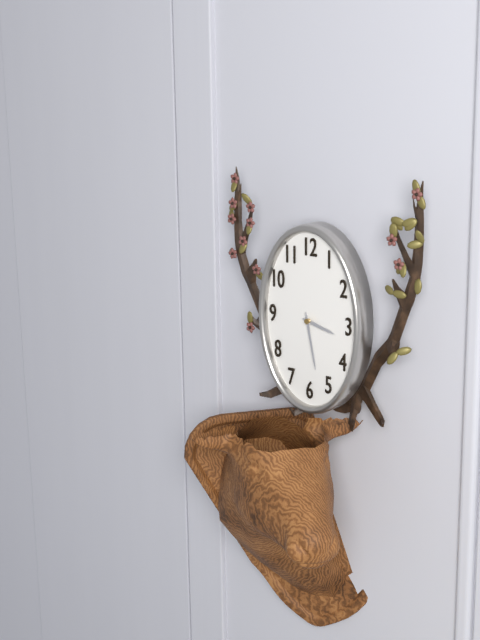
3.28
